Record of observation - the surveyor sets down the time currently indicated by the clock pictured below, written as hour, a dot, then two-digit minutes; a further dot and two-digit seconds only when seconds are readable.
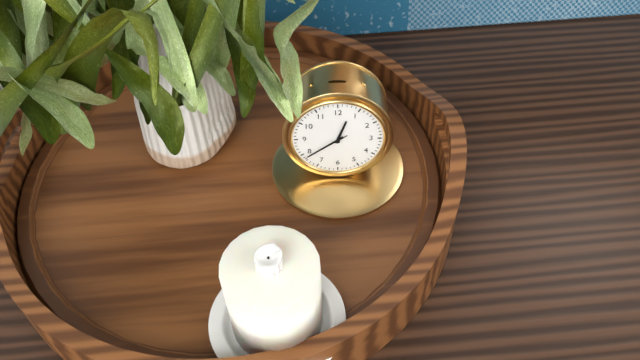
12.39
